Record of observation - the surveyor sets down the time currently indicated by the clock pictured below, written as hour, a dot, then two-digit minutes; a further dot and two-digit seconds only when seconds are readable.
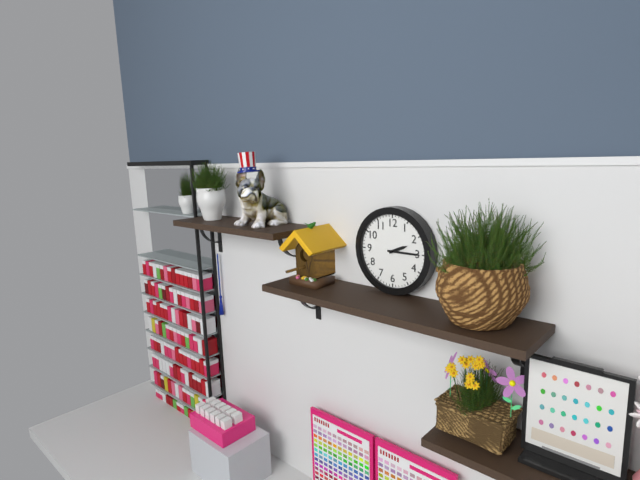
2.15
